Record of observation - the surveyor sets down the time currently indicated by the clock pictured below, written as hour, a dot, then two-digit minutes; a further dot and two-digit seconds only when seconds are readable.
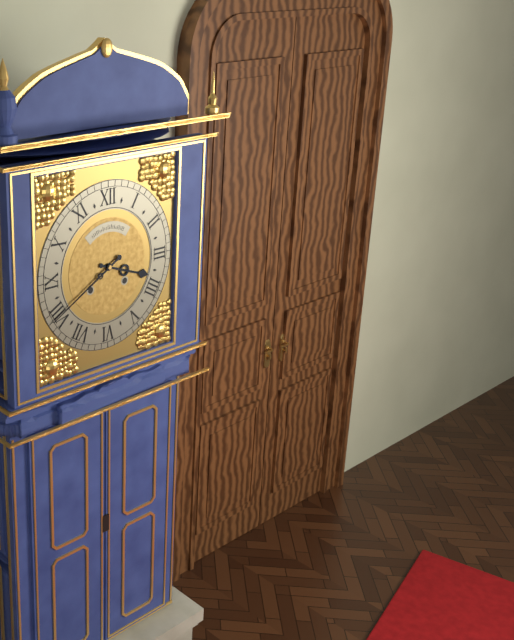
3.40
